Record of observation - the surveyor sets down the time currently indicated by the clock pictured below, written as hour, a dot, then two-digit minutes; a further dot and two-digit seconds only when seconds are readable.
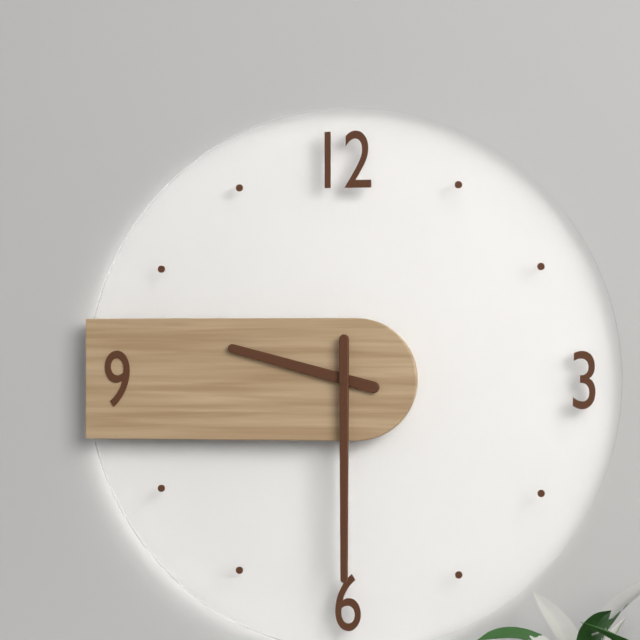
9.30
